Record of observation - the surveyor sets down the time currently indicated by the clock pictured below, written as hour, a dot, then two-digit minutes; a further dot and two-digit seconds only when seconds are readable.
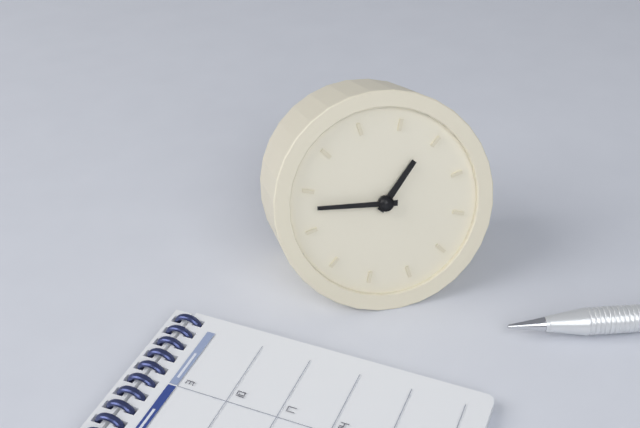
1.48
